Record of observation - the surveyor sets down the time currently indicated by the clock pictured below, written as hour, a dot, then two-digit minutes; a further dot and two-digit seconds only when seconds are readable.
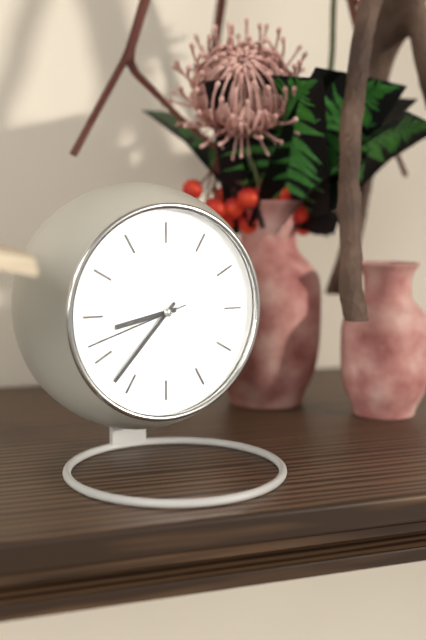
8.37.42
